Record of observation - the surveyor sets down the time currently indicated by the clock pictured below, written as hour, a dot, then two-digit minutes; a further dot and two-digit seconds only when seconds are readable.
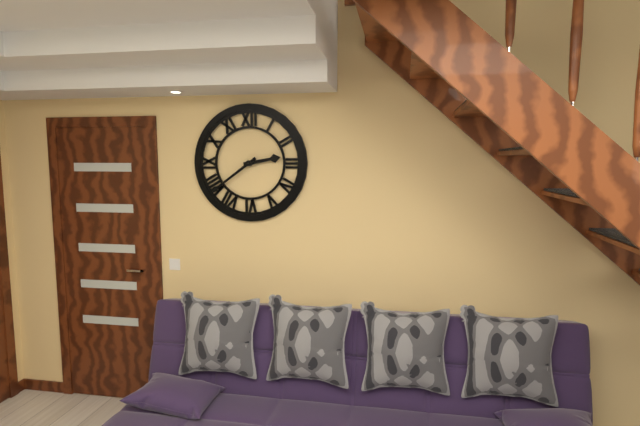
2.39
